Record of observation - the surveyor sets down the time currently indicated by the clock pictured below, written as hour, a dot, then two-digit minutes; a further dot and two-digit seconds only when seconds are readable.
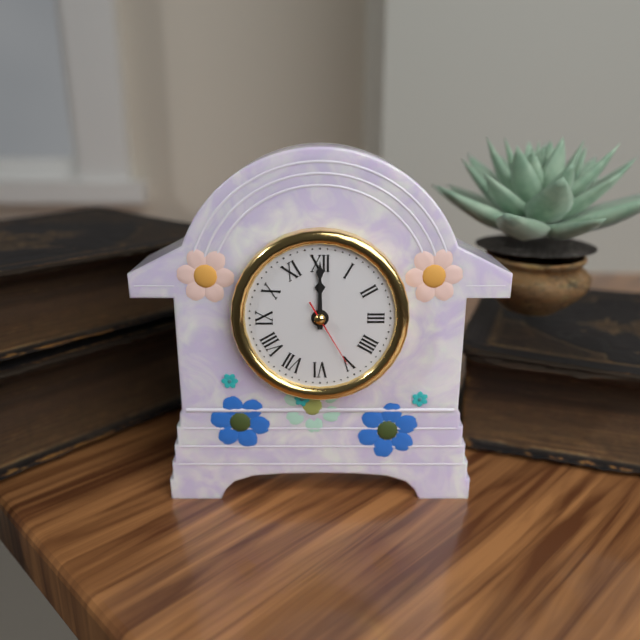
12.00.25
